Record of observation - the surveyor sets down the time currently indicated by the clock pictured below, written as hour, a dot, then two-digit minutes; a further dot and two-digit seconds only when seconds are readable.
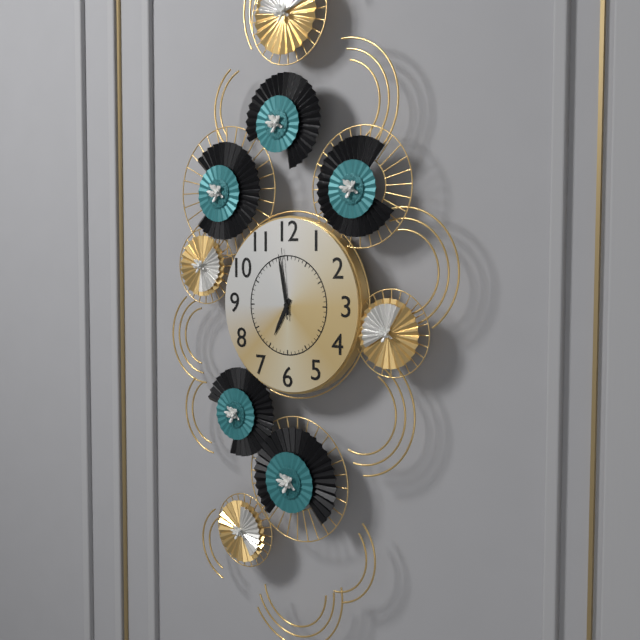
6.58.59
